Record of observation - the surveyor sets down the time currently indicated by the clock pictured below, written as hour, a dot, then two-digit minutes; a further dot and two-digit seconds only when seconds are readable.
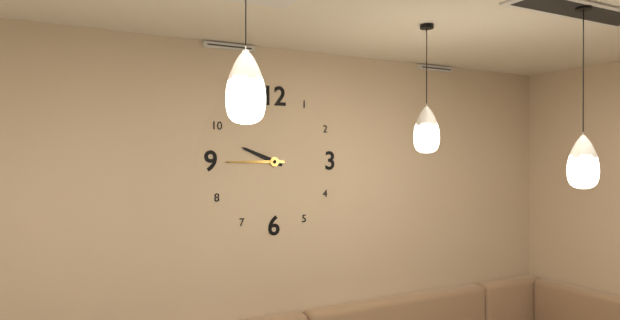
9.45
